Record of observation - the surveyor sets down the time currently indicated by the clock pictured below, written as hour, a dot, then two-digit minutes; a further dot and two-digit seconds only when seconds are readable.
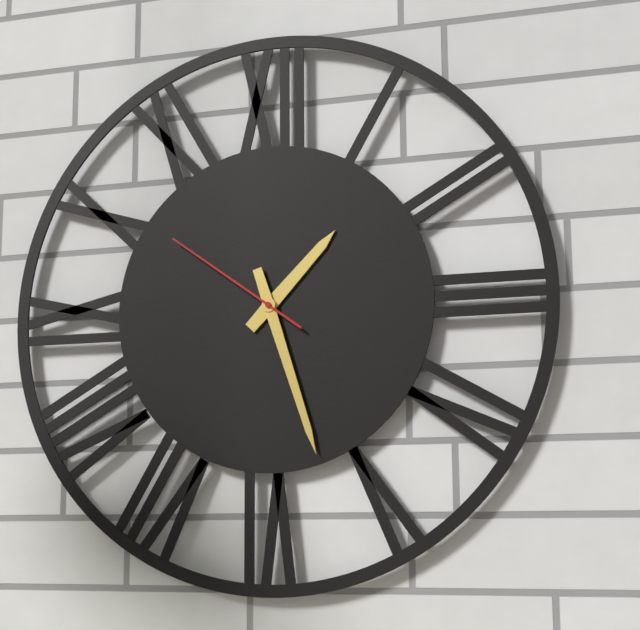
1.27.51
